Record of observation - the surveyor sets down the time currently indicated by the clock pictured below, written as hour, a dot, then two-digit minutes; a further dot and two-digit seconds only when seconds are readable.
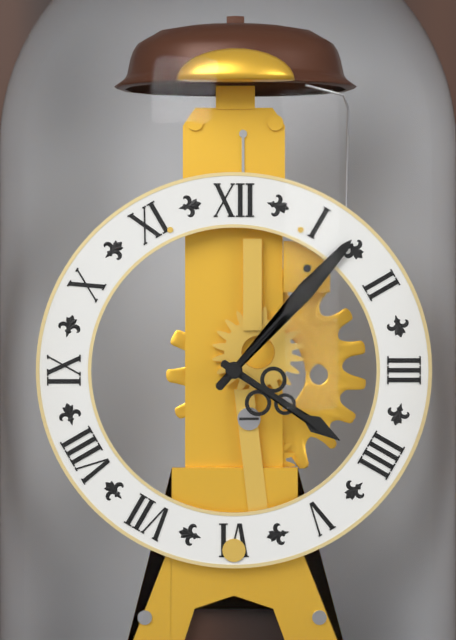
4.07
